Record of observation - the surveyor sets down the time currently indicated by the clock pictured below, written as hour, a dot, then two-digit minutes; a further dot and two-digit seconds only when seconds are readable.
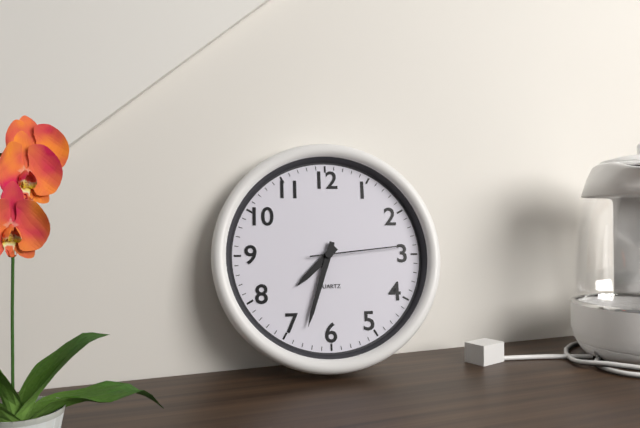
7.33.14
